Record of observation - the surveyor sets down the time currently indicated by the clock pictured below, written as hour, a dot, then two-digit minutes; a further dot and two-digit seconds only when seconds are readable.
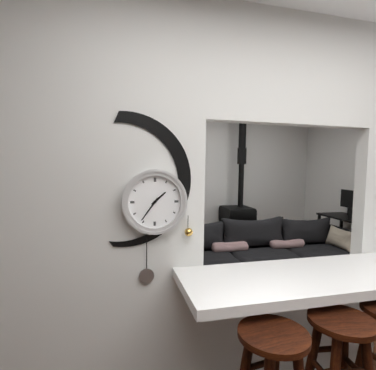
1.36
